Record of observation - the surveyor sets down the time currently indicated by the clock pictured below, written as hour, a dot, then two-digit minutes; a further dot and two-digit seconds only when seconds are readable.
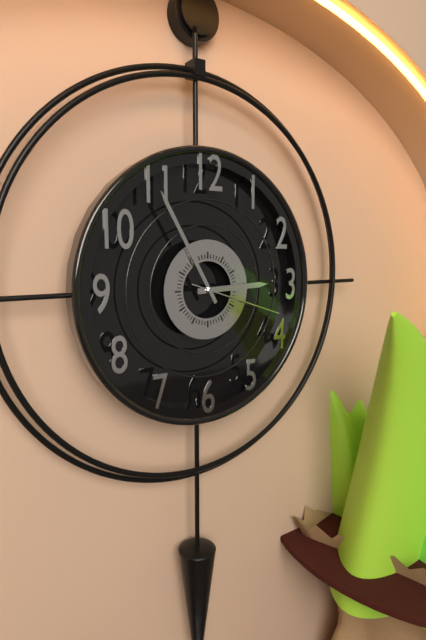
2.55.18
